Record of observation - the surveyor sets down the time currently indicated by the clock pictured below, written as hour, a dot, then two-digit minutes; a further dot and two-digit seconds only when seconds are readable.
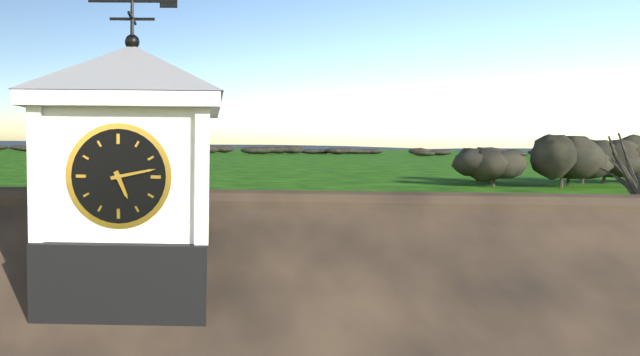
5.13
